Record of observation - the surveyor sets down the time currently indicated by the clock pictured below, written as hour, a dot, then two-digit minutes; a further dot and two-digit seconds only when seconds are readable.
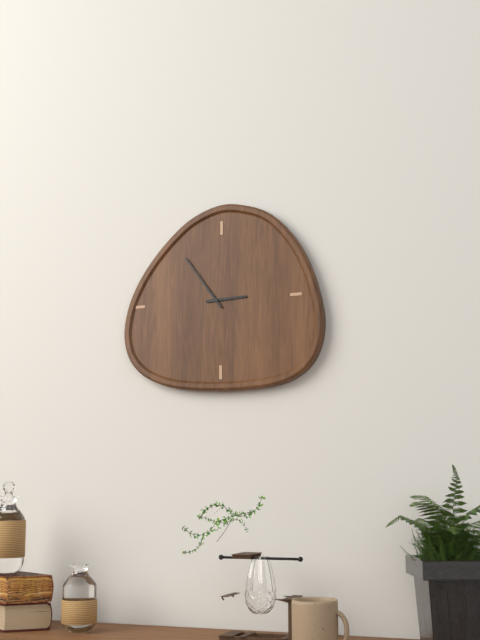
2.54
